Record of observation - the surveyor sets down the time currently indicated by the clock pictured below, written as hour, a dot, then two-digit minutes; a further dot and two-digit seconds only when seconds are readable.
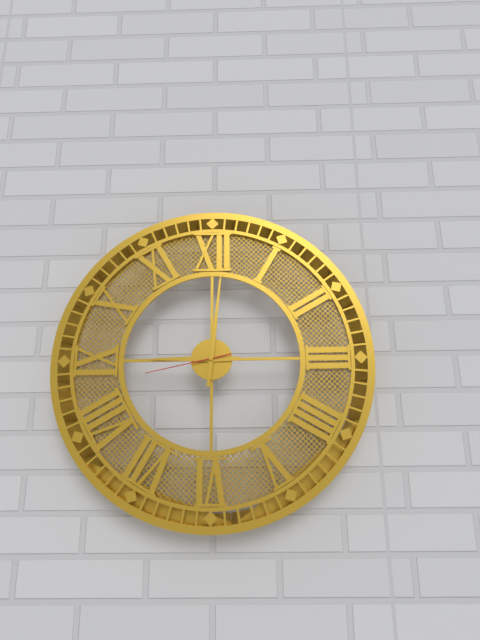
9.01.43
